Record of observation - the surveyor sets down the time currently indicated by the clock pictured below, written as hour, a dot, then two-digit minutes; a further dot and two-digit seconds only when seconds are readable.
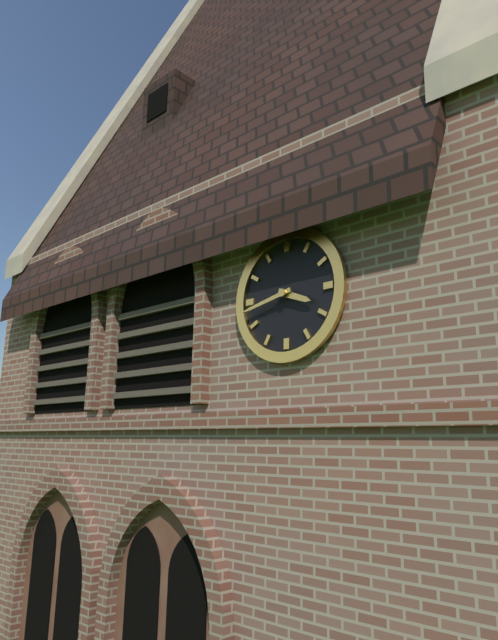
3.43
